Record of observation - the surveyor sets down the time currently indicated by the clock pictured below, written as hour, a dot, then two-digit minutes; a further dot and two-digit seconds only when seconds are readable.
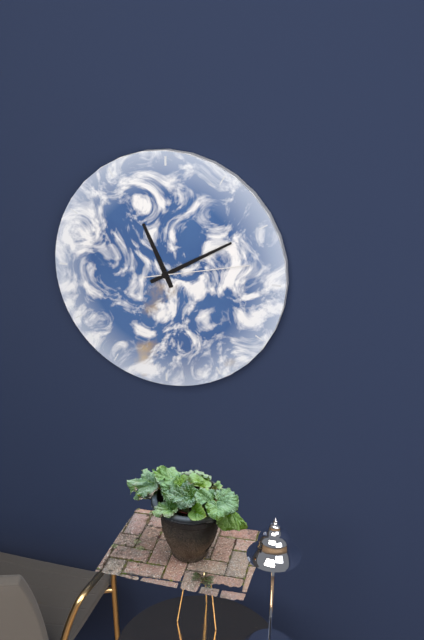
11.10.13
